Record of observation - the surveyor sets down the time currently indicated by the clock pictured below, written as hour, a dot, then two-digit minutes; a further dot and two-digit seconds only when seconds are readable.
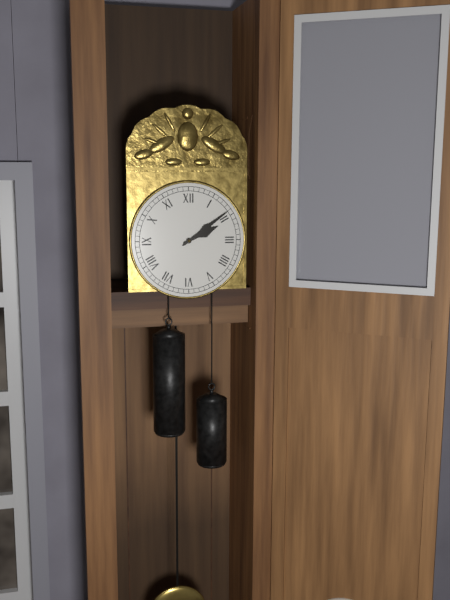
2.09
